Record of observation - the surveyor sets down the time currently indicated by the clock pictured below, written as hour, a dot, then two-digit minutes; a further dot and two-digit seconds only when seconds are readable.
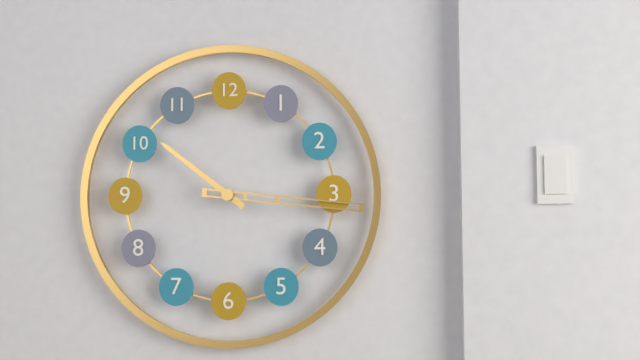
10.16
